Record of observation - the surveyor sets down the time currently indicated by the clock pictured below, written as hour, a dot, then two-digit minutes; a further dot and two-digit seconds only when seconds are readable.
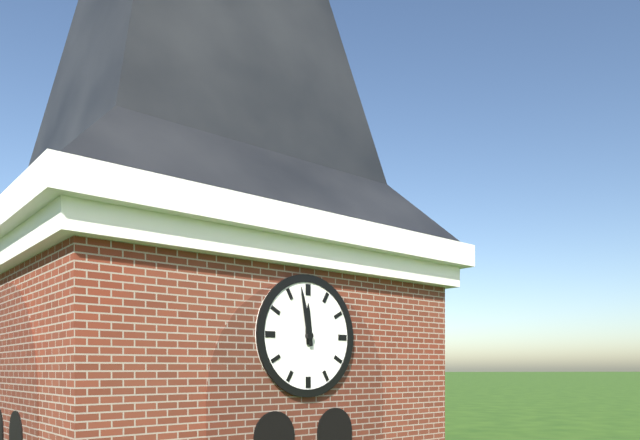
11.58
